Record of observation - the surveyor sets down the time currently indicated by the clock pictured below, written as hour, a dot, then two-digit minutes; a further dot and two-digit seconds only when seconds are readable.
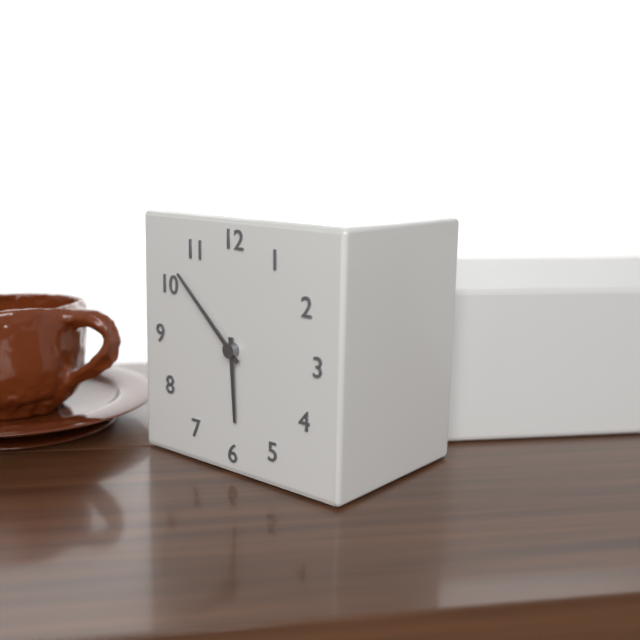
5.52
